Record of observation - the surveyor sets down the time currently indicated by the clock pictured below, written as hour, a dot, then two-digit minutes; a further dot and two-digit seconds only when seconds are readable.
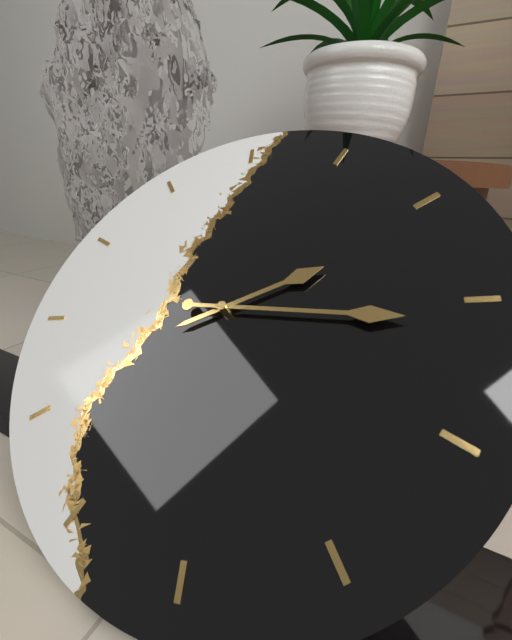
2.16
